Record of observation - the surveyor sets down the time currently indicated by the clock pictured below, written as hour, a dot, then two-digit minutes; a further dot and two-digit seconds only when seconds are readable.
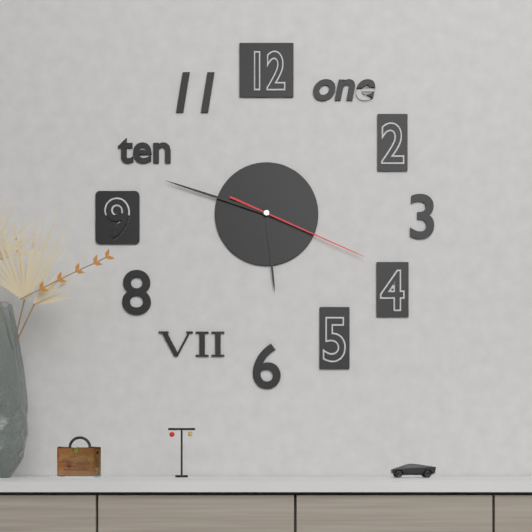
5.48.19
